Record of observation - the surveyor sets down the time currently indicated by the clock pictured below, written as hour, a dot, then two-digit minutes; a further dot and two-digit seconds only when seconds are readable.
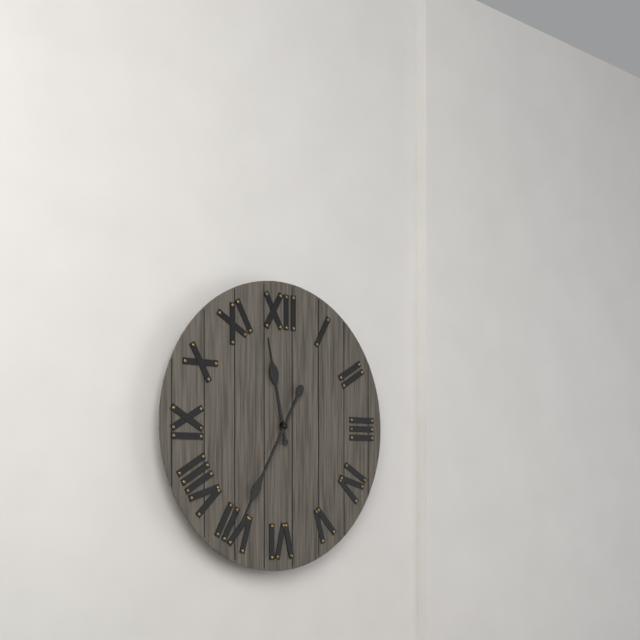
11.35
